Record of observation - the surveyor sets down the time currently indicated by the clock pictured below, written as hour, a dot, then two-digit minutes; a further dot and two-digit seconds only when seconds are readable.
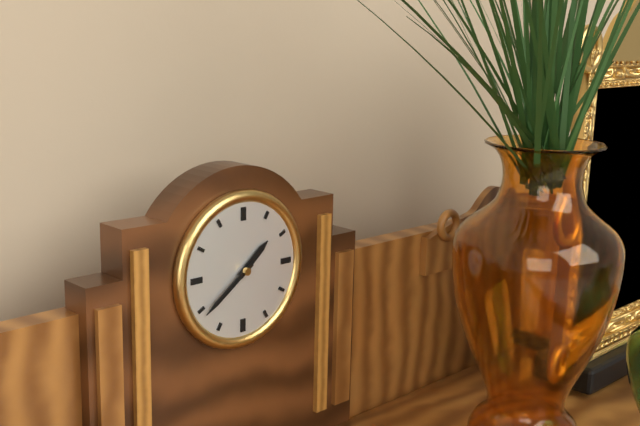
1.39
